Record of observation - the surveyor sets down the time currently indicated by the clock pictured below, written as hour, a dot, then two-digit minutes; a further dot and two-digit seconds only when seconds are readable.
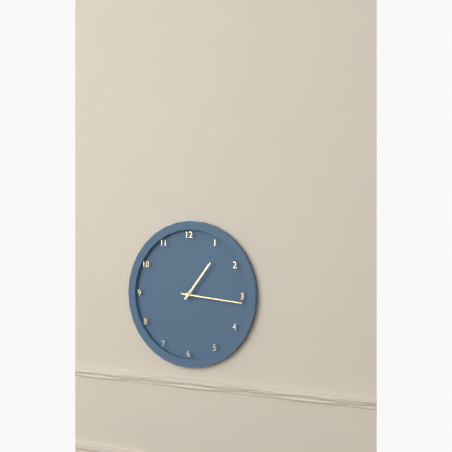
1.16
